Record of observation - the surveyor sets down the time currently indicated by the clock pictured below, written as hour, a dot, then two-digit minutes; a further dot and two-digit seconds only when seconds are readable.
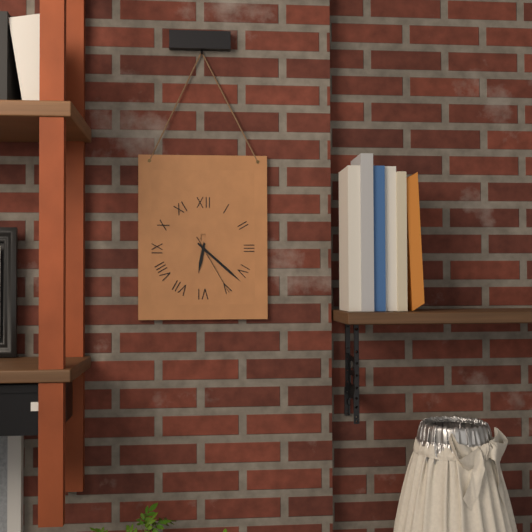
6.22.25
